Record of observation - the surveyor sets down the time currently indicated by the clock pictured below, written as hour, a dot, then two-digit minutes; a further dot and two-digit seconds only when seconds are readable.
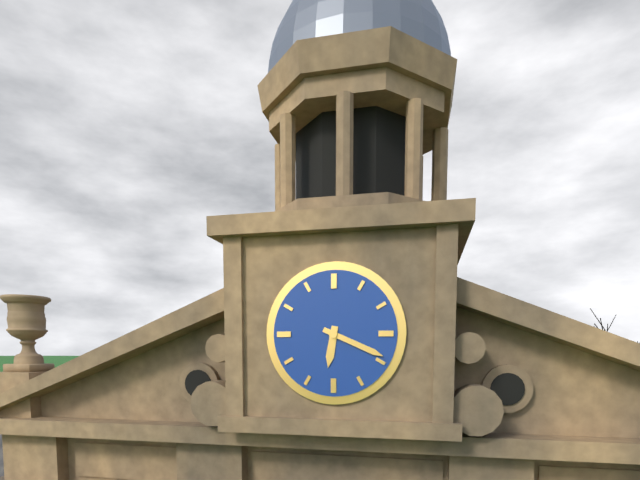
6.19
